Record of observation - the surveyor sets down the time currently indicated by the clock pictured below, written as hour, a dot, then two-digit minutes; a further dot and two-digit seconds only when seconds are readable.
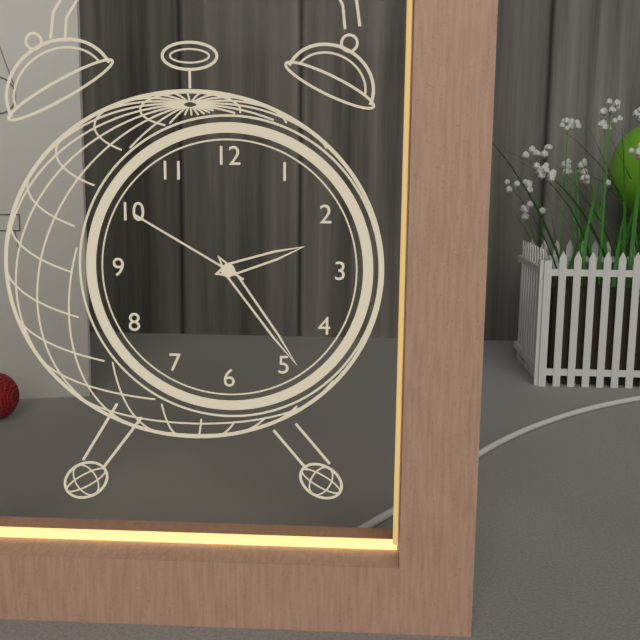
2.24.50
